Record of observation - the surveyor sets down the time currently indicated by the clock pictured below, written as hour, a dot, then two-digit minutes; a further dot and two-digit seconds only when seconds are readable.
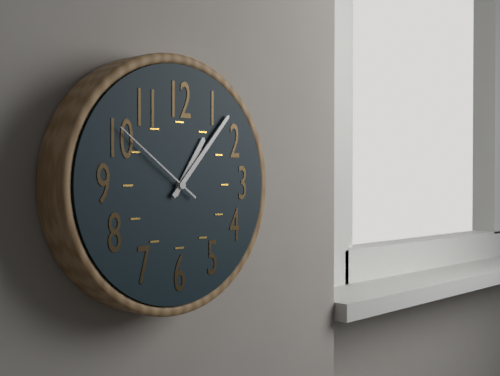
1.07.51
